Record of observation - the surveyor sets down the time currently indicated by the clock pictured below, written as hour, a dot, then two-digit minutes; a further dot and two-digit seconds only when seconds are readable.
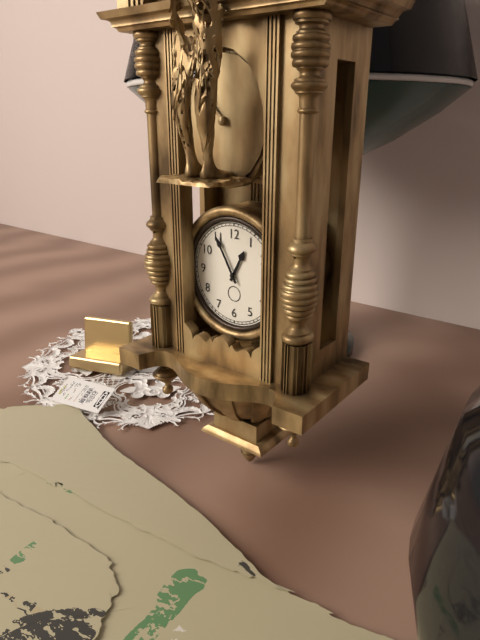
12.55
